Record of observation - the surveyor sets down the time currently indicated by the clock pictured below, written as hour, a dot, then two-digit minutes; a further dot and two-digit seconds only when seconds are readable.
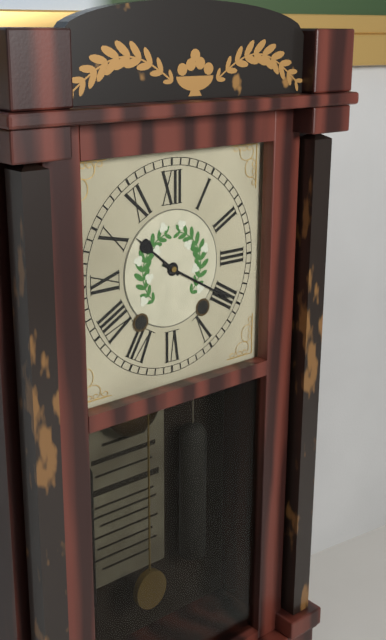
10.20
